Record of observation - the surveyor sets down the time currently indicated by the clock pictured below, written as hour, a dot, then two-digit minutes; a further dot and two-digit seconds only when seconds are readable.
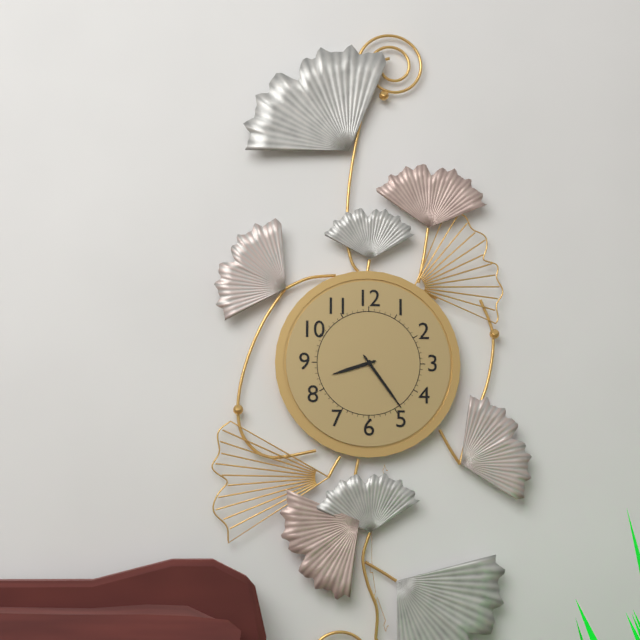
8.24
